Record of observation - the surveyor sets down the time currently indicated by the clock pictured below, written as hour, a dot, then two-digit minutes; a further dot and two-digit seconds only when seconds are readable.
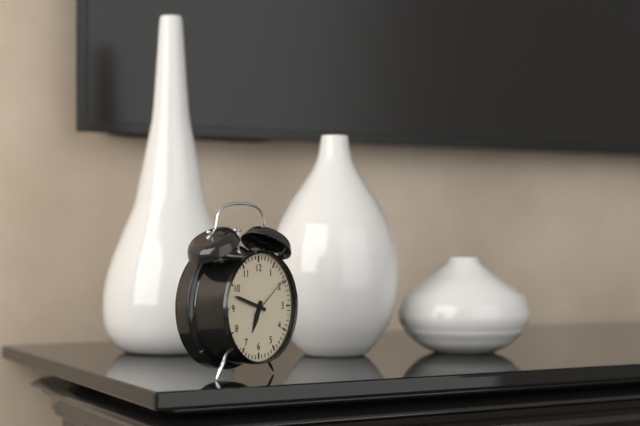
6.48
